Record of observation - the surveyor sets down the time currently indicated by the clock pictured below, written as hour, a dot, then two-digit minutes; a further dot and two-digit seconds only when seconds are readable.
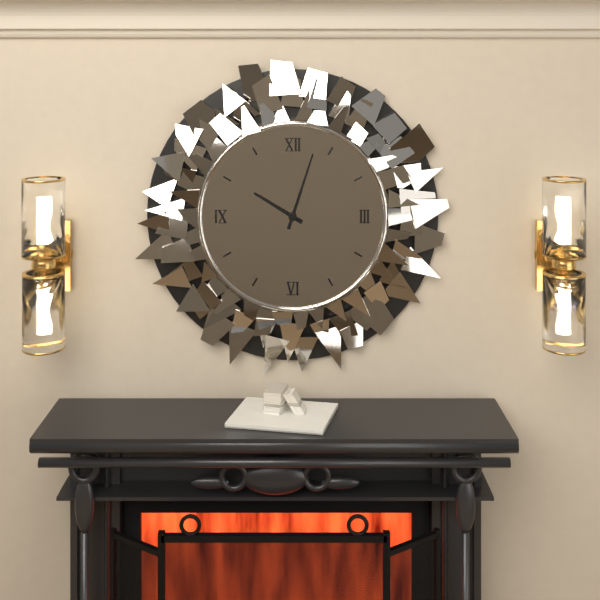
10.03
